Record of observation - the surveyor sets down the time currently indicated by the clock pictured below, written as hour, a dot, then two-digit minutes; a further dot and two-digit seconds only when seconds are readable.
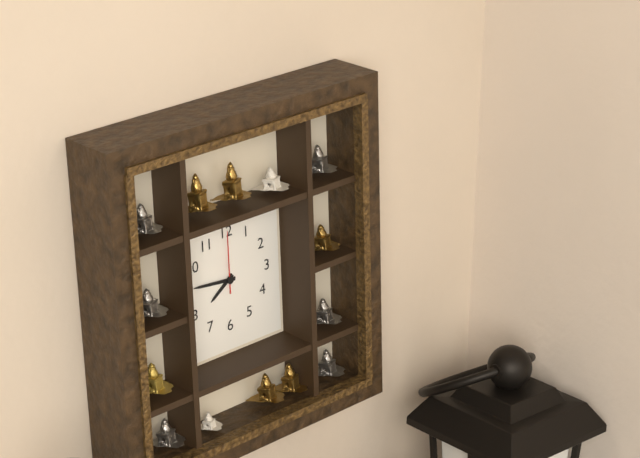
7.46.00
